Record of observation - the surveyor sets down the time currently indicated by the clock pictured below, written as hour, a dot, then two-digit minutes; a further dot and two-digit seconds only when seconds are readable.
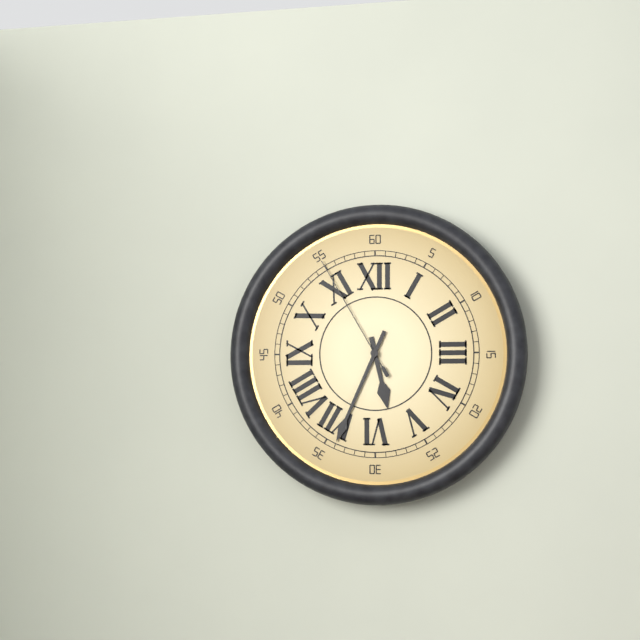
5.34.55
